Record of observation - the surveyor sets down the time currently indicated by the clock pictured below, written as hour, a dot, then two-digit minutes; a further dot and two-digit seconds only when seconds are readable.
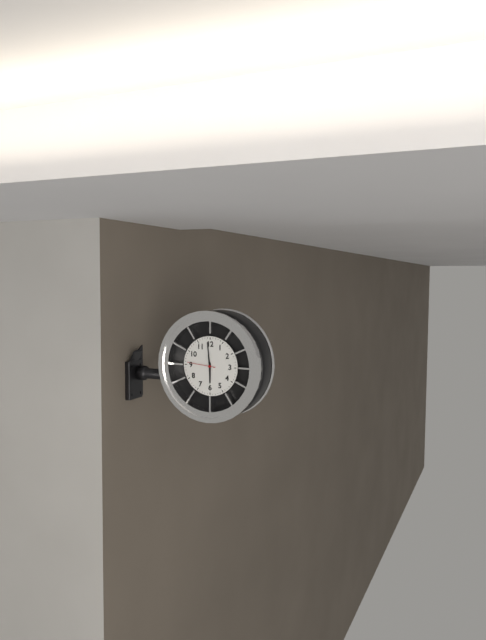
5.59
